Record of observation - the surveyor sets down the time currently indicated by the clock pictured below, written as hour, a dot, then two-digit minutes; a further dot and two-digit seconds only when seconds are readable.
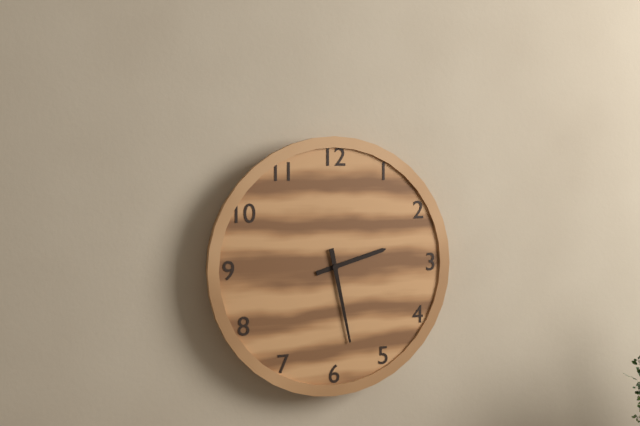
2.28
